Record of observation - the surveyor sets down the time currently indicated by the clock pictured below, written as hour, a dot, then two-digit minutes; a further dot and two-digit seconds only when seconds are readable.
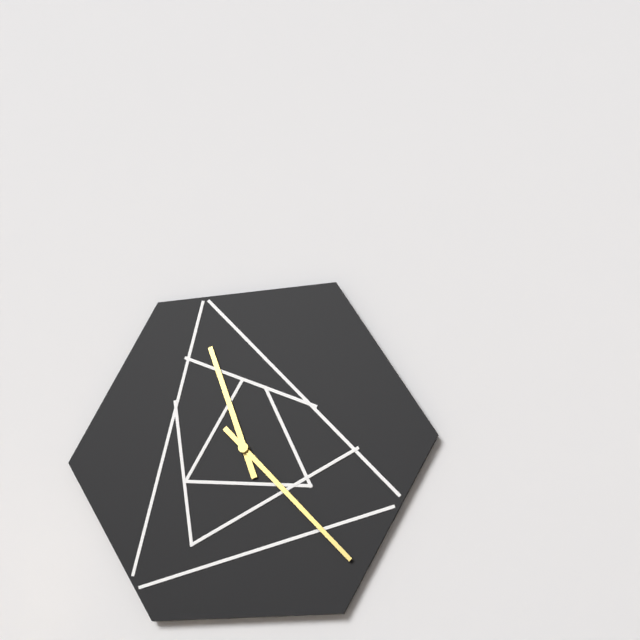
11.23
